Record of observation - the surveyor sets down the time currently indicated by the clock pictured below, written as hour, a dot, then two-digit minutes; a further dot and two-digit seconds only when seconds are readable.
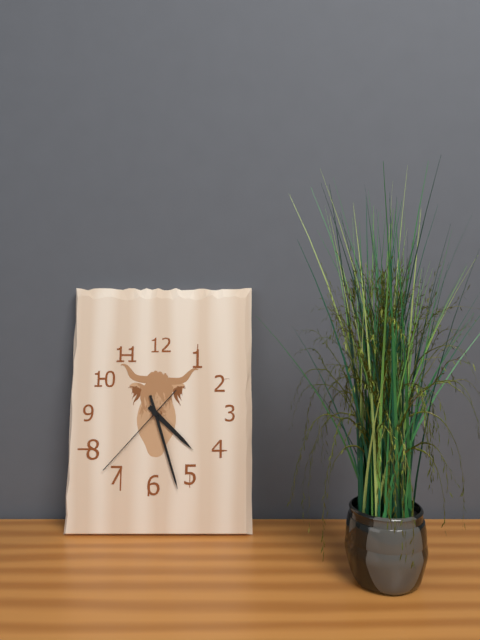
4.27.37
